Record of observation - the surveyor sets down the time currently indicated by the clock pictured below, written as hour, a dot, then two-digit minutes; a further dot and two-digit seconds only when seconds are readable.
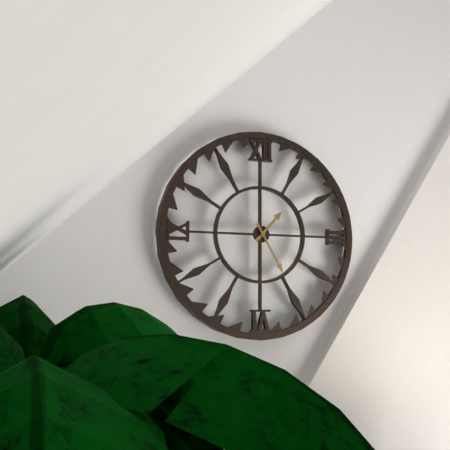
1.25
